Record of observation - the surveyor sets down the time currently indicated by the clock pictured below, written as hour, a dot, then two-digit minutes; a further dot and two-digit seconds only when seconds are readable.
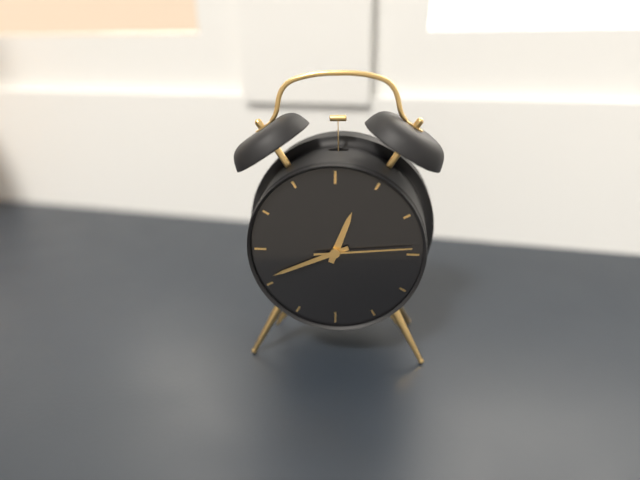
12.41.14
